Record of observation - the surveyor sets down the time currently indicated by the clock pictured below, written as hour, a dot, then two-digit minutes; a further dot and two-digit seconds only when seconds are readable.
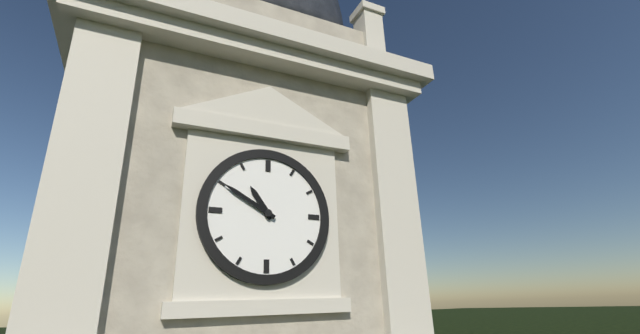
10.50
